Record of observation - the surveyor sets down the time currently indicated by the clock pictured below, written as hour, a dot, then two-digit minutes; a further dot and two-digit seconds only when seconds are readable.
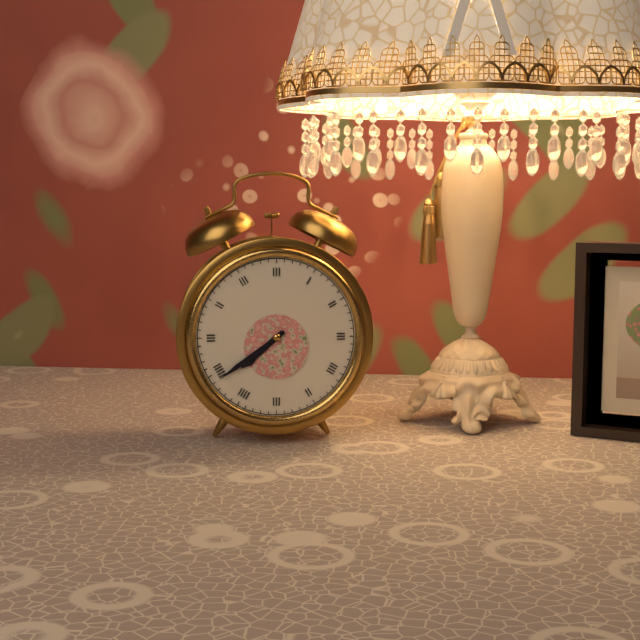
7.39
